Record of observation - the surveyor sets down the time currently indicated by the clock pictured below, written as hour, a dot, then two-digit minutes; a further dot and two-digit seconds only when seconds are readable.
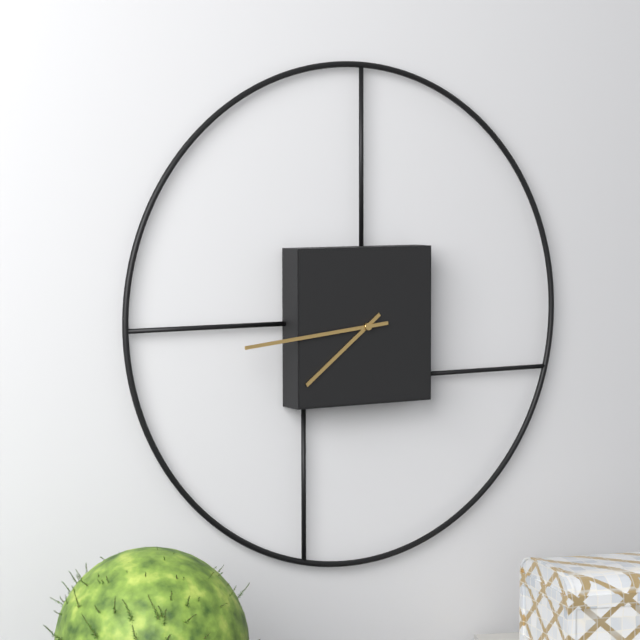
7.44
